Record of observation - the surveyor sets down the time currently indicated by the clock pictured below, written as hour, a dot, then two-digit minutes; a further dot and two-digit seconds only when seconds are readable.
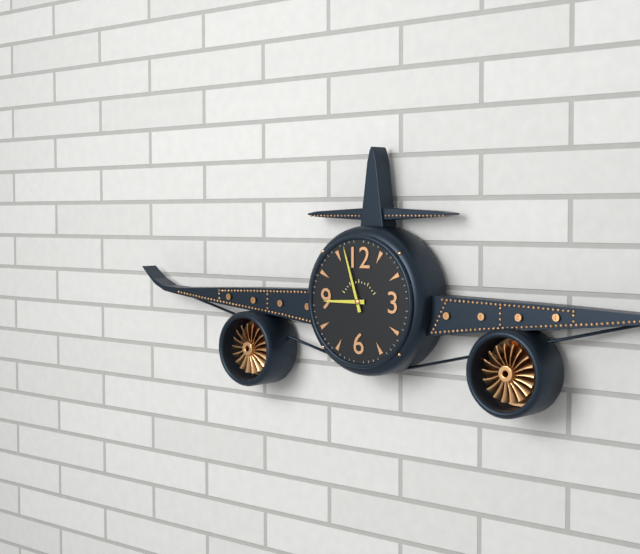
8.57
